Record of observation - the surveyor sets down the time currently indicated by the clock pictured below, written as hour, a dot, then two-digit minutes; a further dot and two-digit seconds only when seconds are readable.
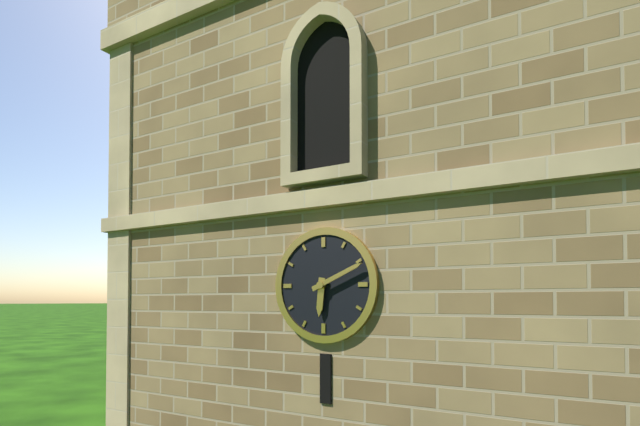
6.11
